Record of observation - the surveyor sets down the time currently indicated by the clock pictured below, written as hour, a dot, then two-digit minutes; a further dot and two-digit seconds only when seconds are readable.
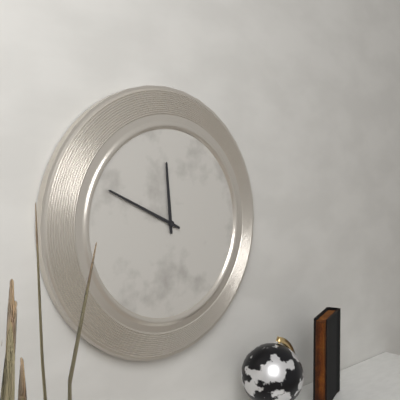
11.49
